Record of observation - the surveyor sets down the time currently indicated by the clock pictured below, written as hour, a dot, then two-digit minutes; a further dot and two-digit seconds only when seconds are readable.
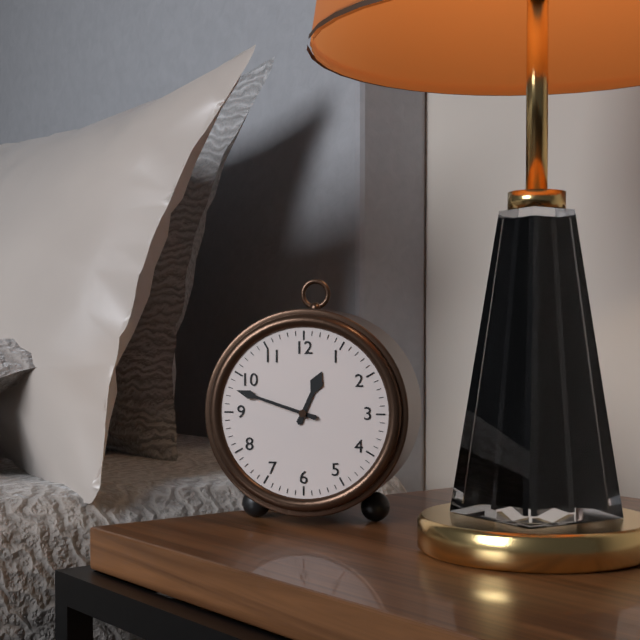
12.48
